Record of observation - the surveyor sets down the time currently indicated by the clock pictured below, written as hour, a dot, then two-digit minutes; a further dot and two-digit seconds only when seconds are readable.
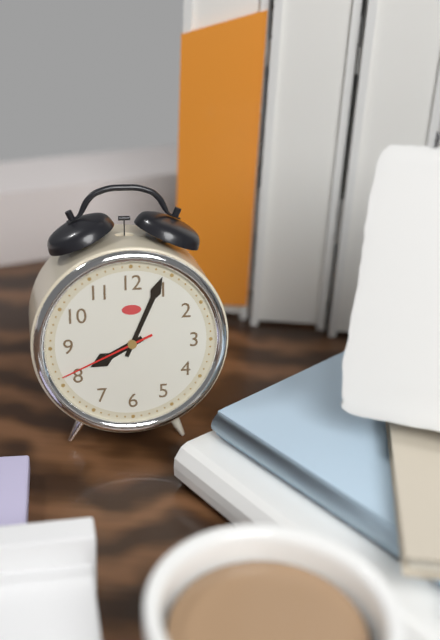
8.04.41
